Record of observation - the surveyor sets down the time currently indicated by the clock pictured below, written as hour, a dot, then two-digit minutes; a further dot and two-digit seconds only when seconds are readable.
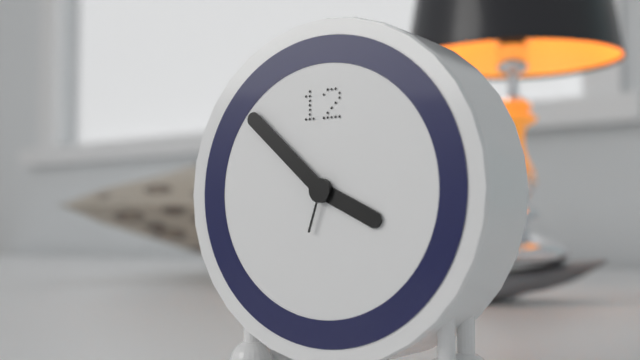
3.52.33
